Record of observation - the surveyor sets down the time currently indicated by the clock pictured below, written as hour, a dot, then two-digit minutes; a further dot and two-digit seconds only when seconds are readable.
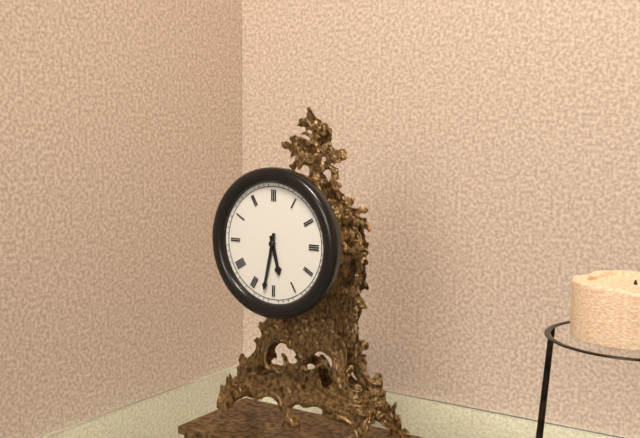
5.32
